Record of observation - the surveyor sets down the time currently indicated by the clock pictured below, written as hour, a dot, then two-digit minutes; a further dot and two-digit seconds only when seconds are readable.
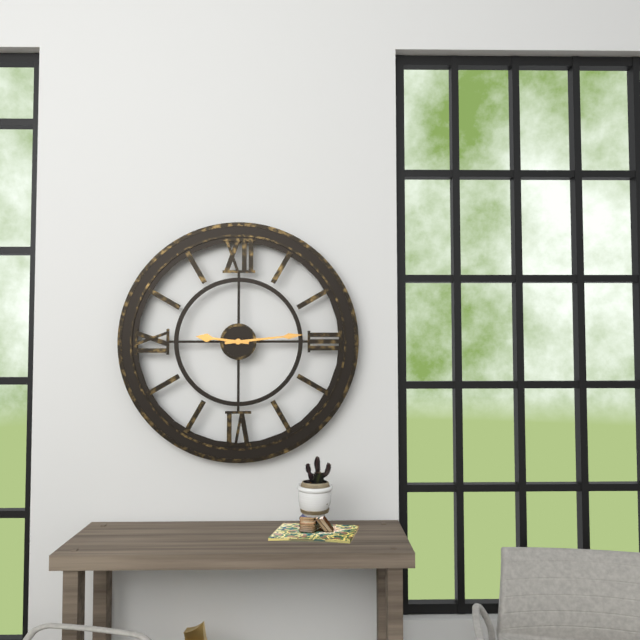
9.14
